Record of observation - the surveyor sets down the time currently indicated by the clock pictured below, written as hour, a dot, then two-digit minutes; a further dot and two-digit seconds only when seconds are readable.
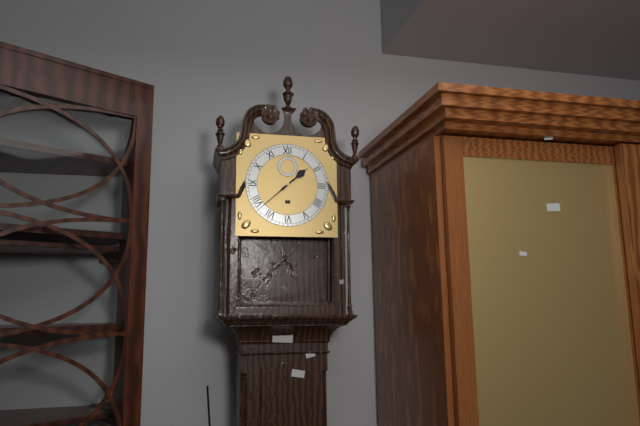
1.38
